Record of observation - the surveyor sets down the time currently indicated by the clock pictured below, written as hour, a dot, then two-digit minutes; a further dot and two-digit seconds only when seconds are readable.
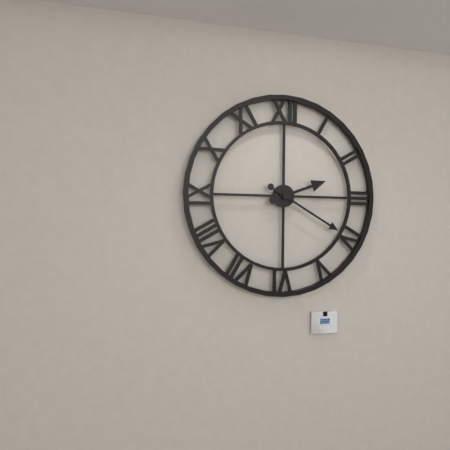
2.20
